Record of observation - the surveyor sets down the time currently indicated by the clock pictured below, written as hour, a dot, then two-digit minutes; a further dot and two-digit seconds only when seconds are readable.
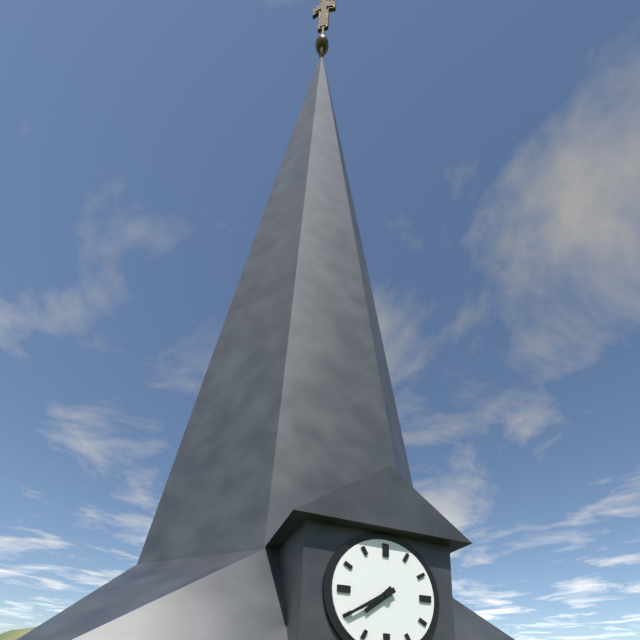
7.40
